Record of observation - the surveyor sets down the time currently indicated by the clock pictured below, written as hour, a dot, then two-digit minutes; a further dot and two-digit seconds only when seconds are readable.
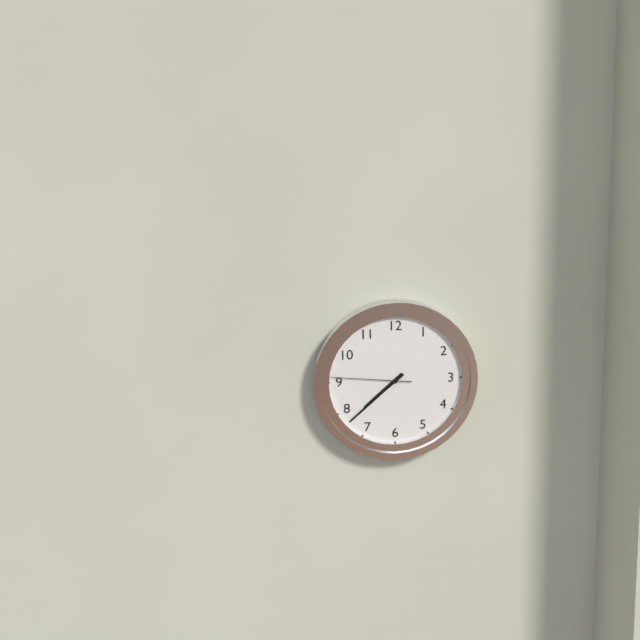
7.38.46
